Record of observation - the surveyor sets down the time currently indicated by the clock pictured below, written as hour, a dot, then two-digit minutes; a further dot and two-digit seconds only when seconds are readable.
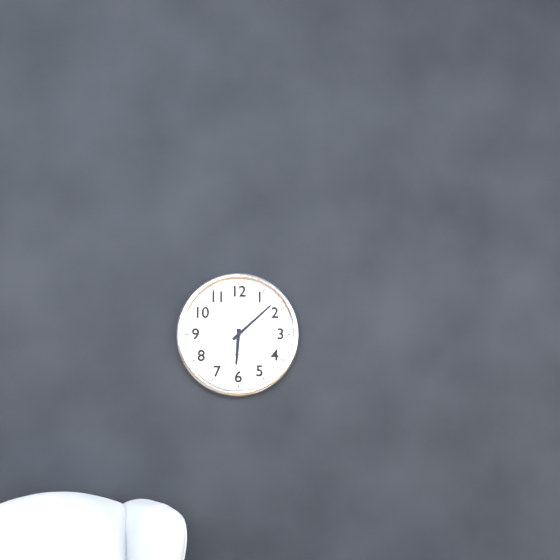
6.08
